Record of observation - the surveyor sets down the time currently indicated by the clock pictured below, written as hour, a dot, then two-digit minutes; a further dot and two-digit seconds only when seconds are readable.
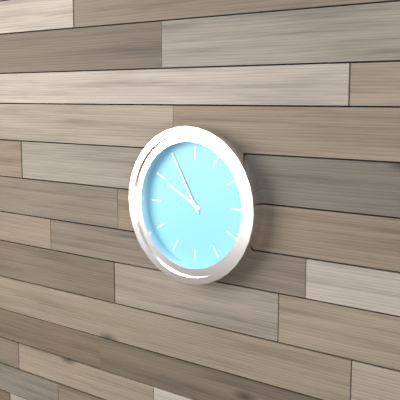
9.55
